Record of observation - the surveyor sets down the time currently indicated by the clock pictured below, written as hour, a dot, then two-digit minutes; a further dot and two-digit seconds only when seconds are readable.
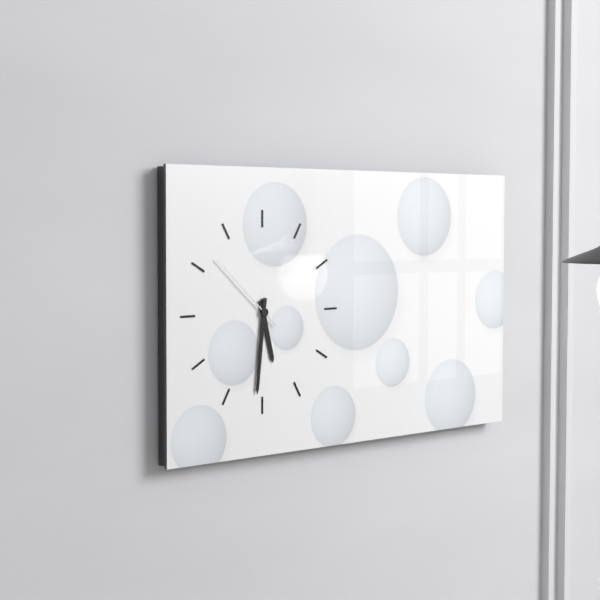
5.31.52
